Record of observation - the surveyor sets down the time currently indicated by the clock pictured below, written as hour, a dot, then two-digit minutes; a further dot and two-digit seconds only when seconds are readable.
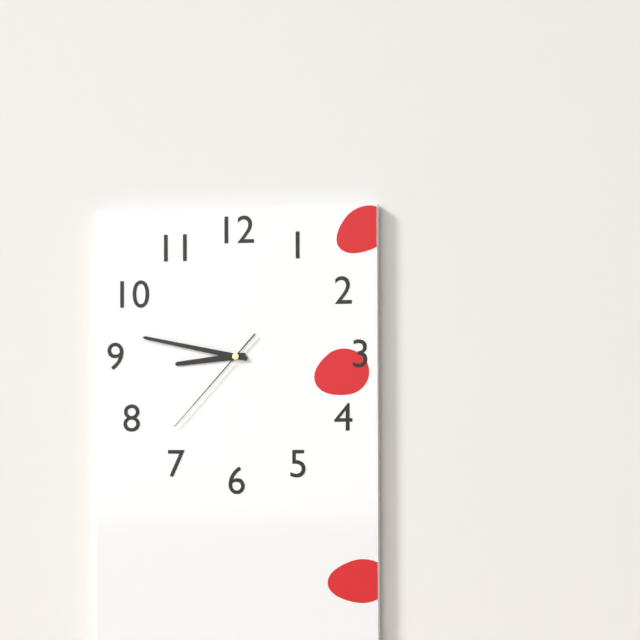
8.47.37
